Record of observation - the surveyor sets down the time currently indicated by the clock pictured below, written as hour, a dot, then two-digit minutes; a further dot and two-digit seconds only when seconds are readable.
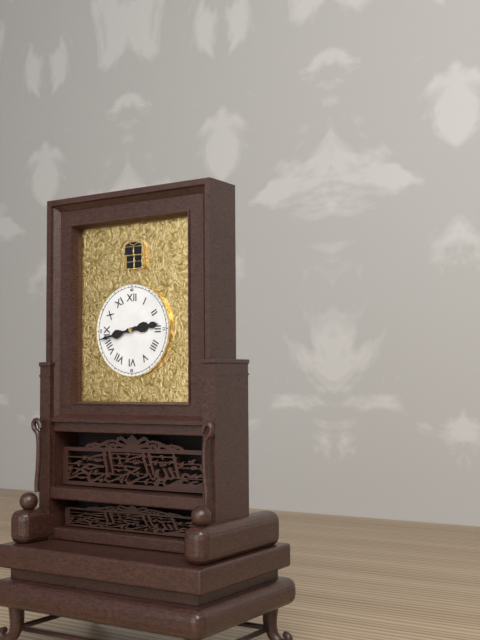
2.43
